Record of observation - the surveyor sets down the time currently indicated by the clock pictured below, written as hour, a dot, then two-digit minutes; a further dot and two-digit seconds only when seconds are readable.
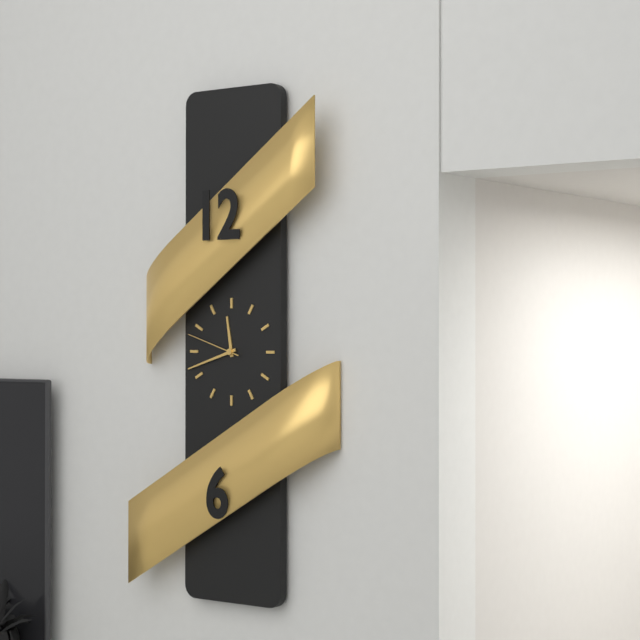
11.42.48
